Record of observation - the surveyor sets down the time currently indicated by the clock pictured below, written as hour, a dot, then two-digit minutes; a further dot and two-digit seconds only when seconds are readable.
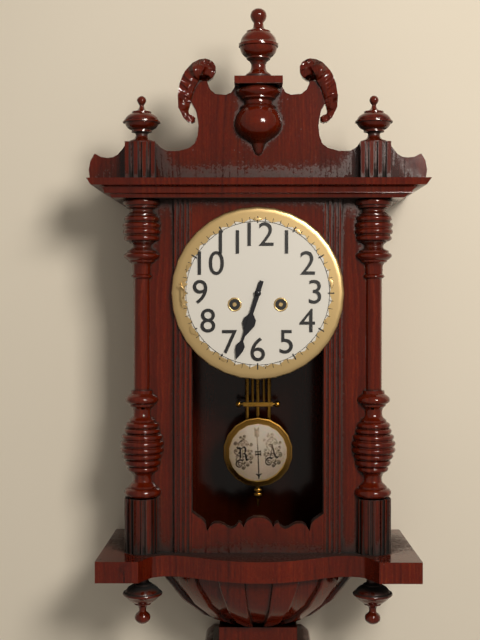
6.33
